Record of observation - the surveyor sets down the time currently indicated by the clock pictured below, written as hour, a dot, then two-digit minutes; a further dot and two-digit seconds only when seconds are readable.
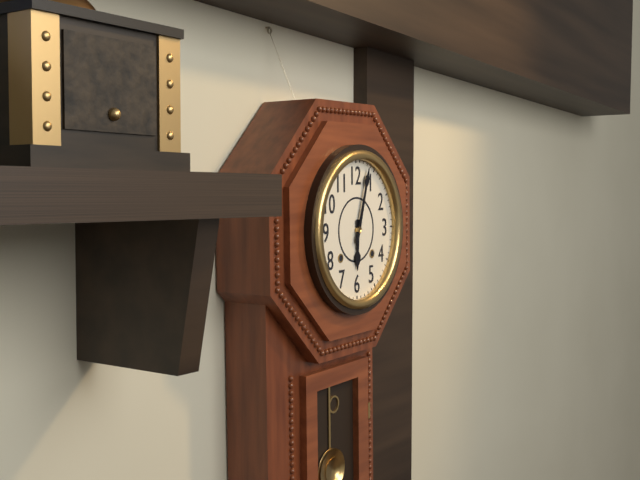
6.03
